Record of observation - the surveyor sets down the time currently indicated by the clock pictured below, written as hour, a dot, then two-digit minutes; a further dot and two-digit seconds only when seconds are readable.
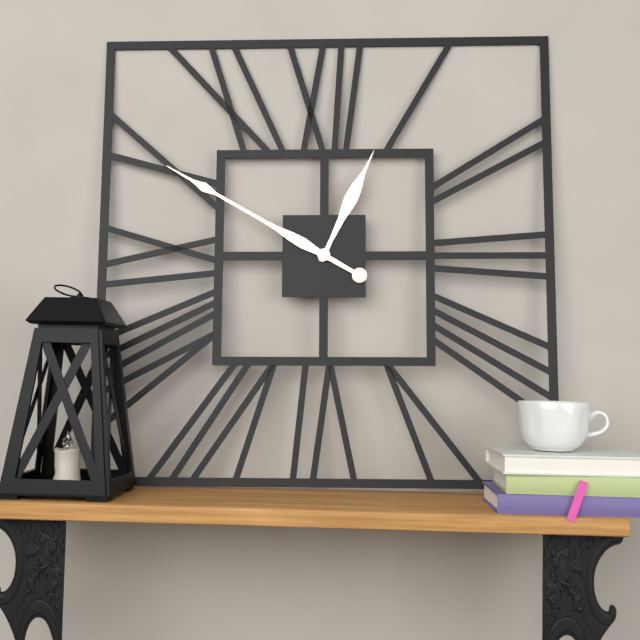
12.50
